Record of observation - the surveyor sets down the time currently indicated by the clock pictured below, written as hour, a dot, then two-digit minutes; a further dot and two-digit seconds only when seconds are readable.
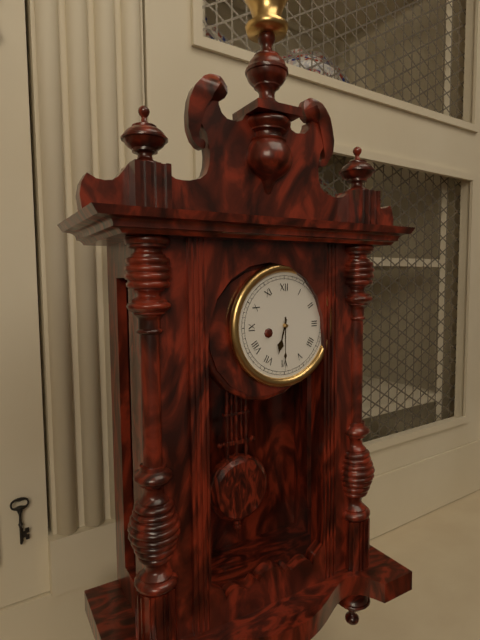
6.30
